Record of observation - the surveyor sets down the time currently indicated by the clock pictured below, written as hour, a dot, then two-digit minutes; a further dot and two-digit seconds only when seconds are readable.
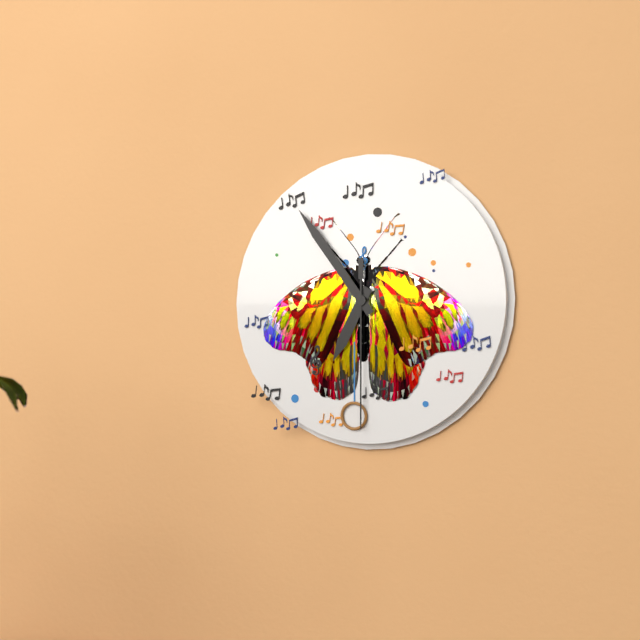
6.54.30
